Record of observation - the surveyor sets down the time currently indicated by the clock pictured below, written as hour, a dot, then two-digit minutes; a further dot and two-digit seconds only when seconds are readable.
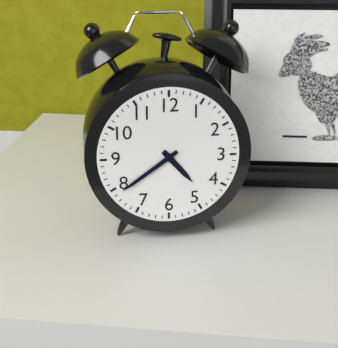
4.39
